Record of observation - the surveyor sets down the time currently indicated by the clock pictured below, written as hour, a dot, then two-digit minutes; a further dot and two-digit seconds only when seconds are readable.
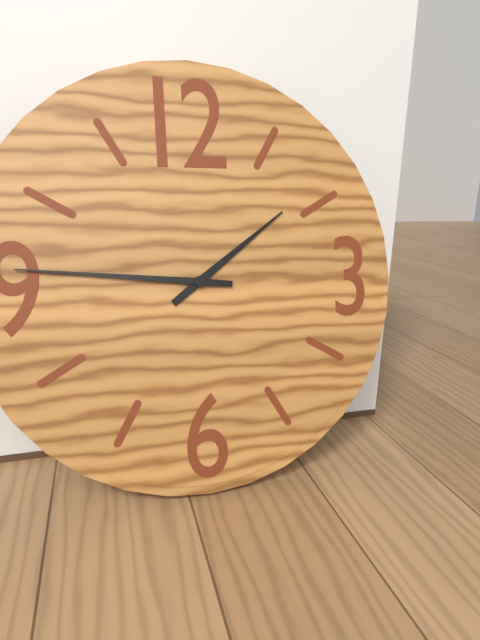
1.46
